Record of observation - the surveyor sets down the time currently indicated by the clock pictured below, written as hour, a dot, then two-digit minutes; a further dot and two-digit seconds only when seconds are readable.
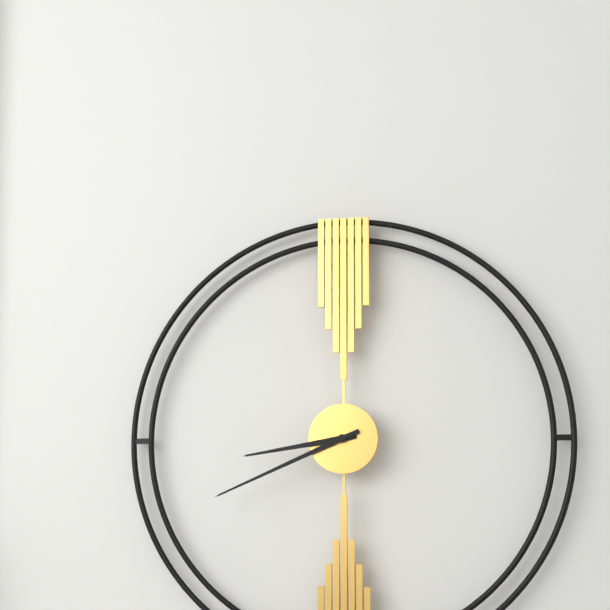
8.41
